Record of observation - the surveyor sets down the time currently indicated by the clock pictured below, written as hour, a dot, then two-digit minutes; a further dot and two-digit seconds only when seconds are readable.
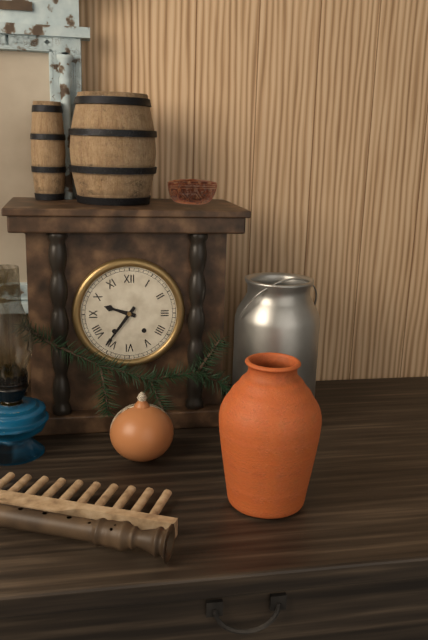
9.36
